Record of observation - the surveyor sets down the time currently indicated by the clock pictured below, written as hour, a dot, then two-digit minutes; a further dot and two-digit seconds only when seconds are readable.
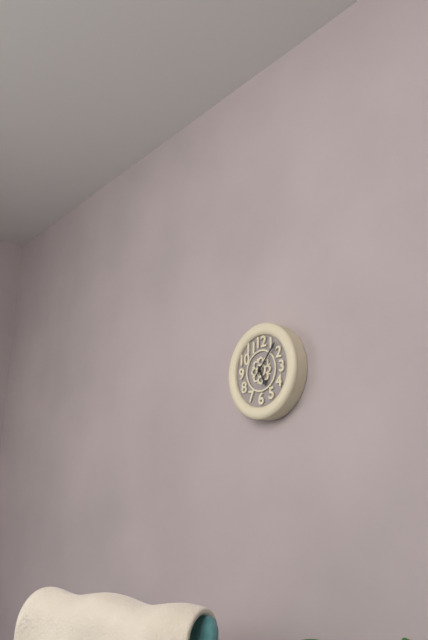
5.07
